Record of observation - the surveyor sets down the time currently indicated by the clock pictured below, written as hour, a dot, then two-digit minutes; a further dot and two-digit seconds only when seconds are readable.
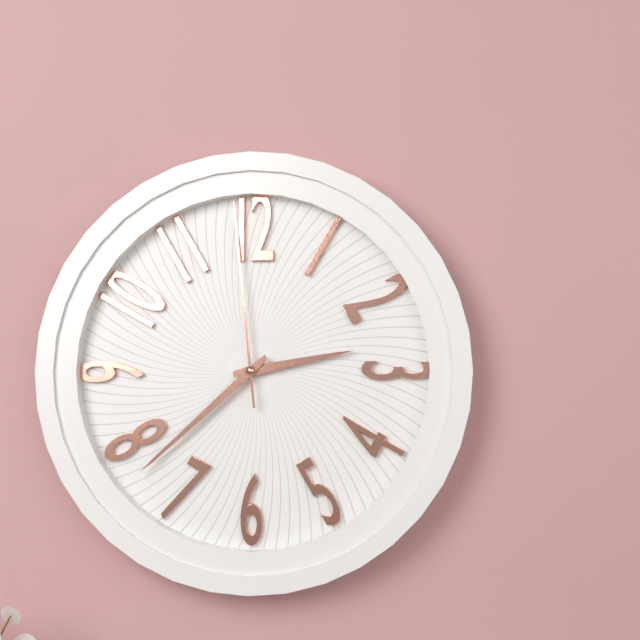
2.38.59
